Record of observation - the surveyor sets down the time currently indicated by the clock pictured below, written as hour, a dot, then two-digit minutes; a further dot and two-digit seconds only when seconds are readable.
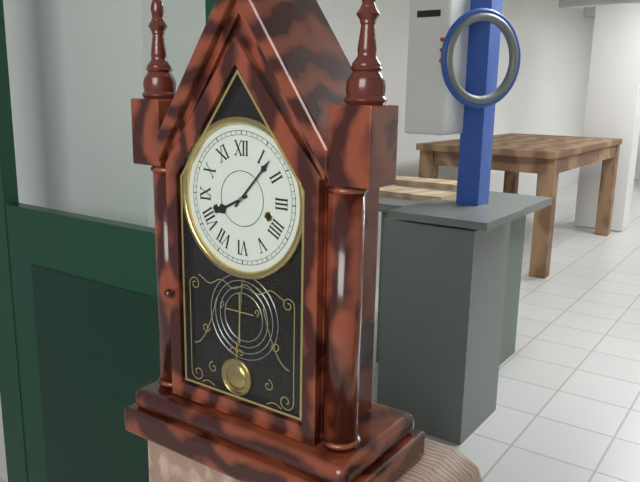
8.07
